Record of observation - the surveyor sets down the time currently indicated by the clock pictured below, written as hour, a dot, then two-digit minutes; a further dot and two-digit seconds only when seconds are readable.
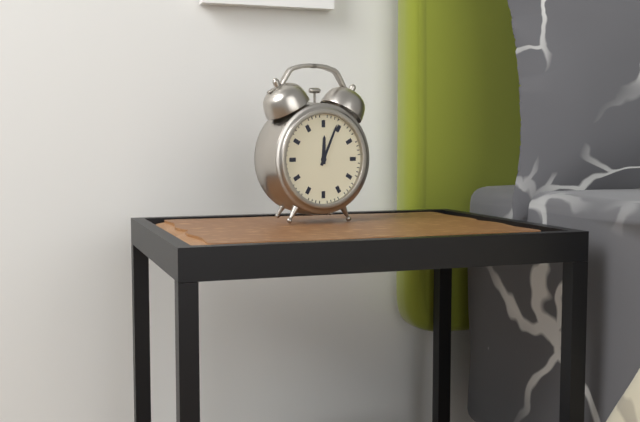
12.04
